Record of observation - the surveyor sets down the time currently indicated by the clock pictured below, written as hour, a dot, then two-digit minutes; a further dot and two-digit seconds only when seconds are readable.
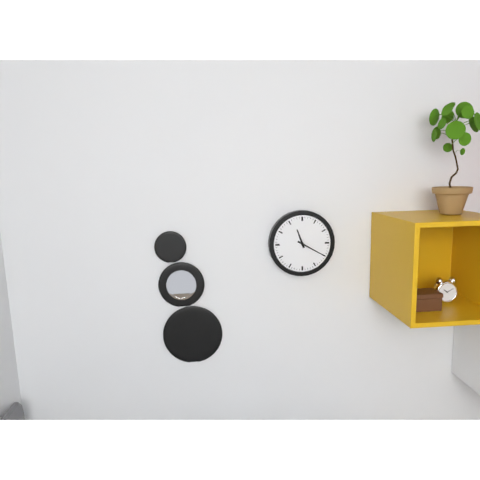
11.20
